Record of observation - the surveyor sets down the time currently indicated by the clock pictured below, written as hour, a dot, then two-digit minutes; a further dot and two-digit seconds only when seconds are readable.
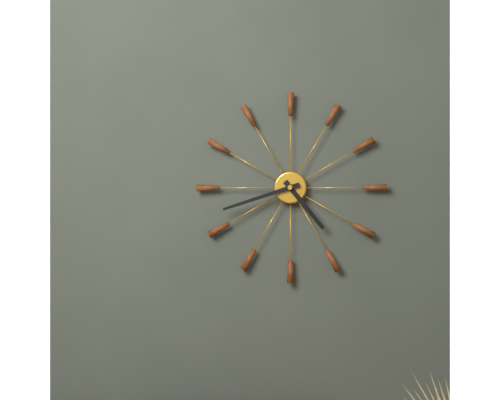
4.42
